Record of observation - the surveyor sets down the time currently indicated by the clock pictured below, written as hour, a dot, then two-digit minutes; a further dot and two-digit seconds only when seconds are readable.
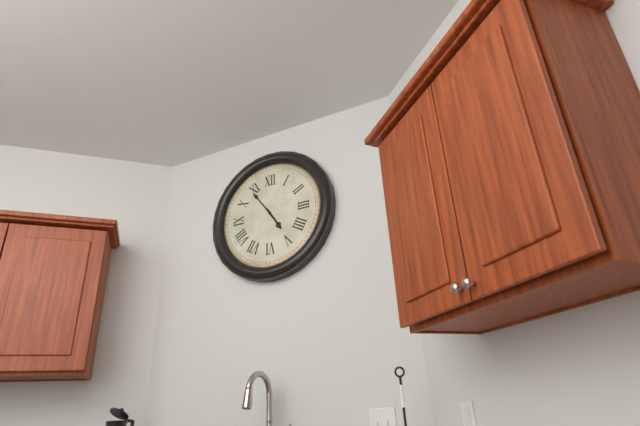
4.54
